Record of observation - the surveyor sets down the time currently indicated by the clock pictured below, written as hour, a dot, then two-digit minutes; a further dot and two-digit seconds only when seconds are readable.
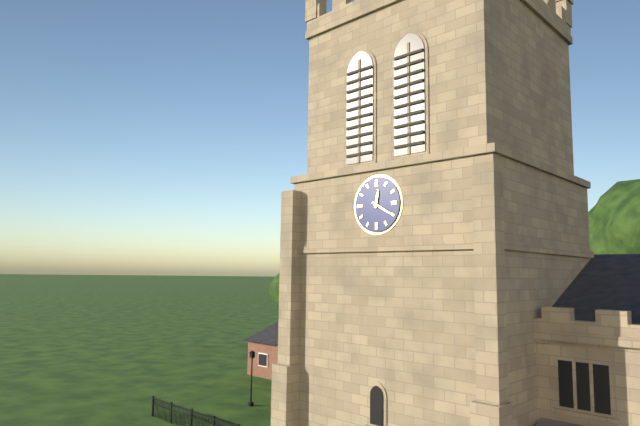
12.20
